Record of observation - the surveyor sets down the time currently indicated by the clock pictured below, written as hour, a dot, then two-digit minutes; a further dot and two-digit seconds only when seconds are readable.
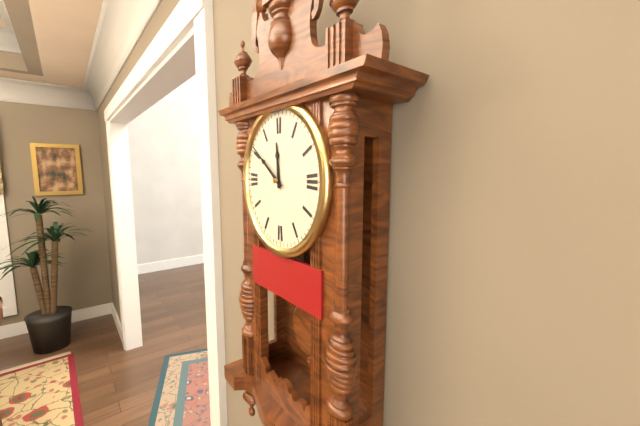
11.51
